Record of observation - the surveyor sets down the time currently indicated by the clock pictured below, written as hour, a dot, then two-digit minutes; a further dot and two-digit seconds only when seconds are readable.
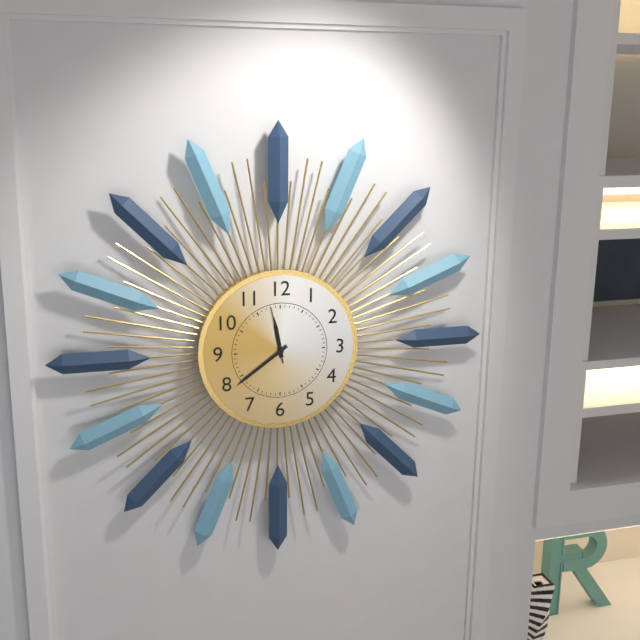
11.39.58
